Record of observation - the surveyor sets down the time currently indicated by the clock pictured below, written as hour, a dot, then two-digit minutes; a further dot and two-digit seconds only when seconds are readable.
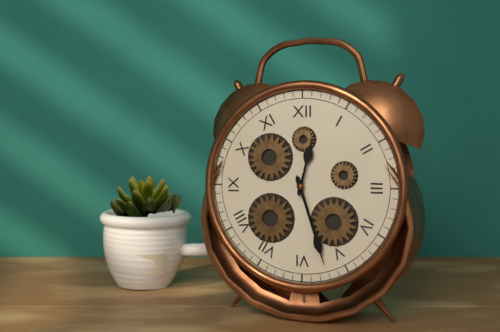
12.27
